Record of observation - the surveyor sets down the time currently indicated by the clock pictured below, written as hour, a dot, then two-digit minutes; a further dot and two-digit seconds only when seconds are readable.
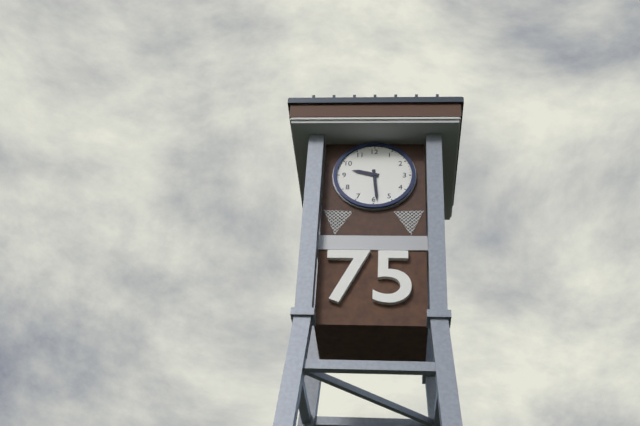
9.29
